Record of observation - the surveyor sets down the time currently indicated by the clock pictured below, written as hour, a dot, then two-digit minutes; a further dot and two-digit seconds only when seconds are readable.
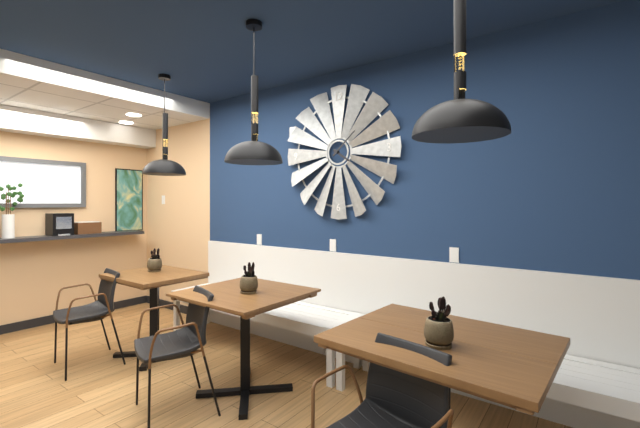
4.08
